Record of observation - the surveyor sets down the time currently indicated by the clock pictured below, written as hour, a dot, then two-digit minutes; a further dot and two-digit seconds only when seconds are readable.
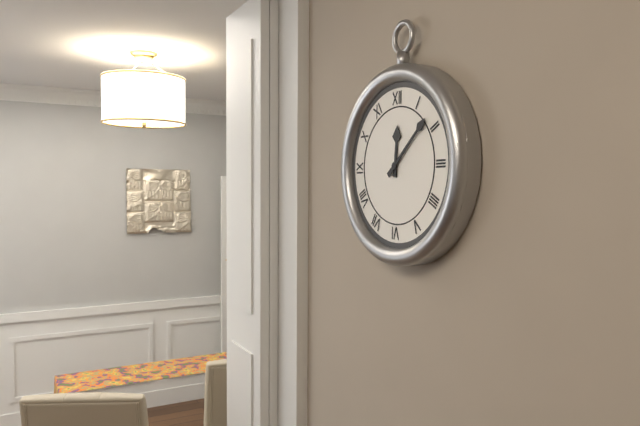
12.08
